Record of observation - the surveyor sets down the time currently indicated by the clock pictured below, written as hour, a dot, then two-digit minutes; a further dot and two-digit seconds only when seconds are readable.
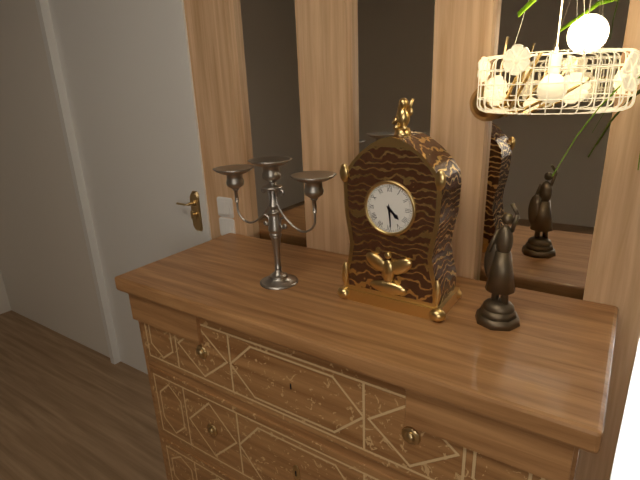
4.29
